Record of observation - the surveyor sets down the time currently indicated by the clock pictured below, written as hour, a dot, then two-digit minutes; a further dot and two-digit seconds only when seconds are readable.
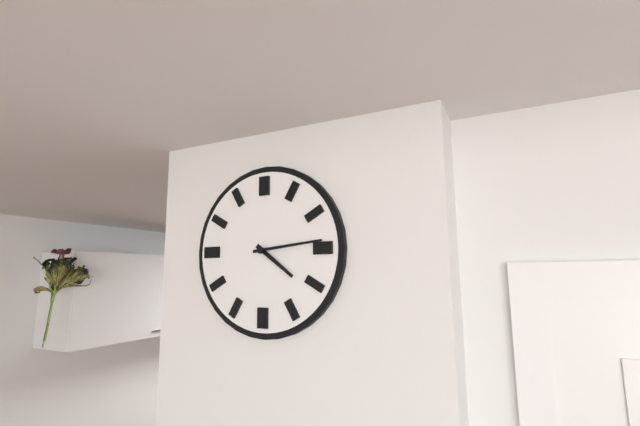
4.14
